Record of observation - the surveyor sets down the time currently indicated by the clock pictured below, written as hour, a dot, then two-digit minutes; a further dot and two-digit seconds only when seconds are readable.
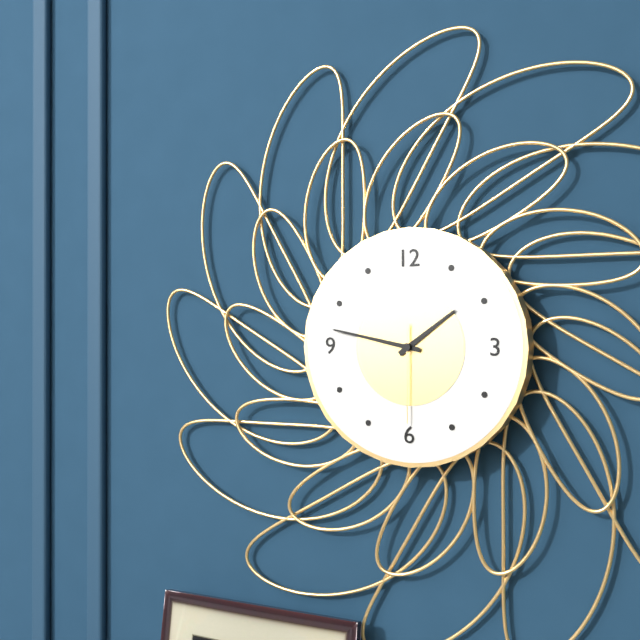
1.47.30
